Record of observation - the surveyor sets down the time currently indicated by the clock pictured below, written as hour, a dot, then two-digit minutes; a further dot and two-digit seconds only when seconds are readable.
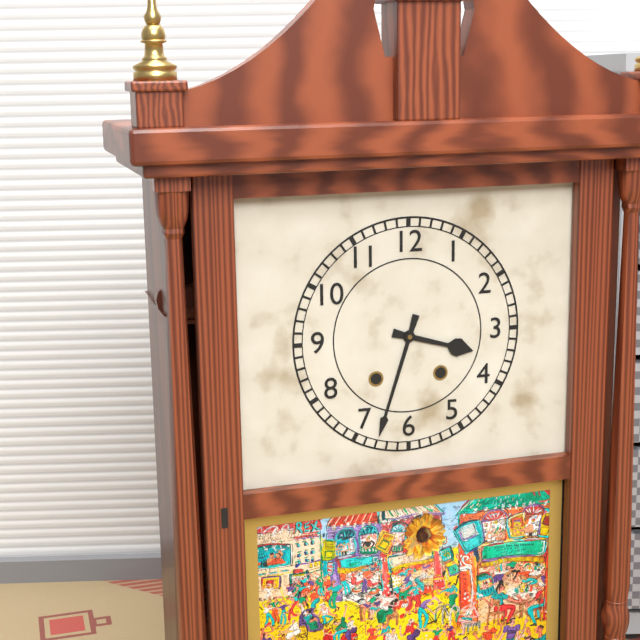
3.33
